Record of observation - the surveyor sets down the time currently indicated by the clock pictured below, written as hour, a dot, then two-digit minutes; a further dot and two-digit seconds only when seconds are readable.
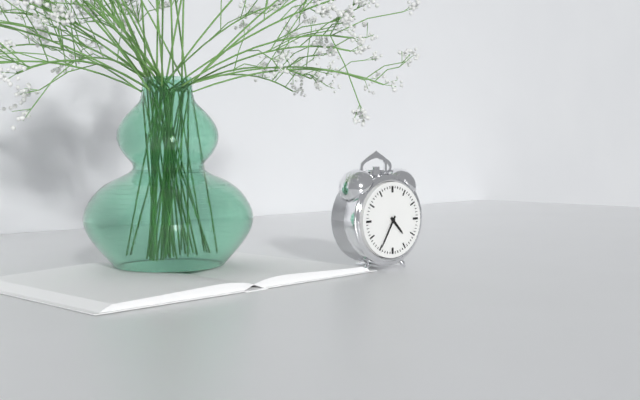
4.35
